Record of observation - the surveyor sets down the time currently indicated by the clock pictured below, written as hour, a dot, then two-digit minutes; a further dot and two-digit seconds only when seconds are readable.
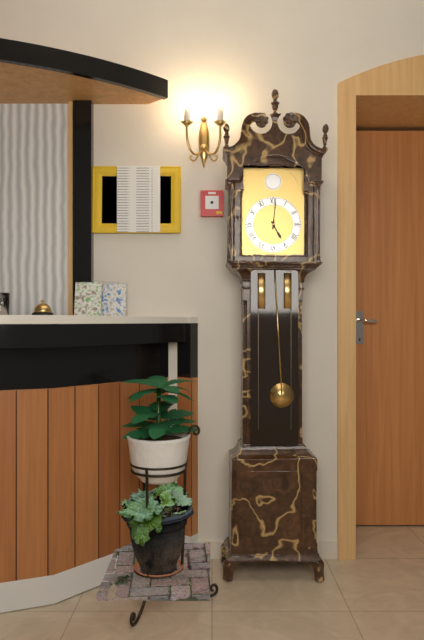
5.01
